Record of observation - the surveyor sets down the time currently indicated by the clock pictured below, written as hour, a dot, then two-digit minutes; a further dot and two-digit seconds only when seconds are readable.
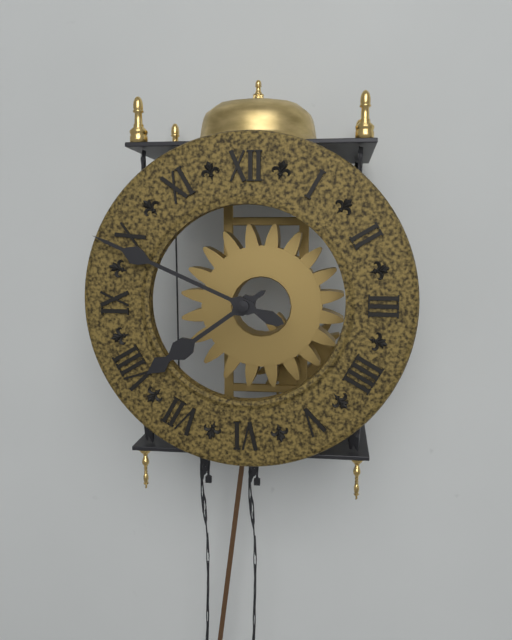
7.49
